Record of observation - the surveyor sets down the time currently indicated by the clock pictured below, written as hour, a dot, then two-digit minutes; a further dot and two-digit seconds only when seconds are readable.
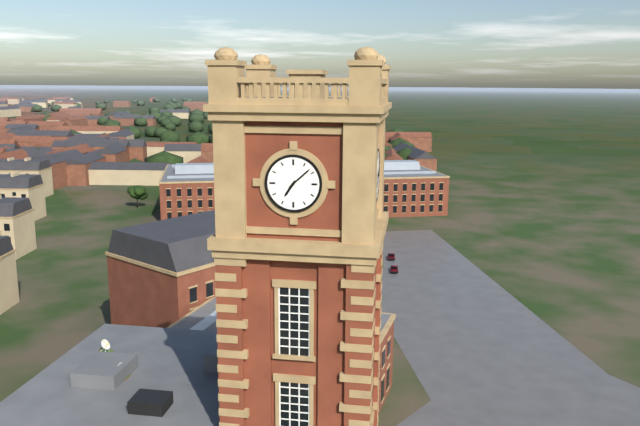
7.08
